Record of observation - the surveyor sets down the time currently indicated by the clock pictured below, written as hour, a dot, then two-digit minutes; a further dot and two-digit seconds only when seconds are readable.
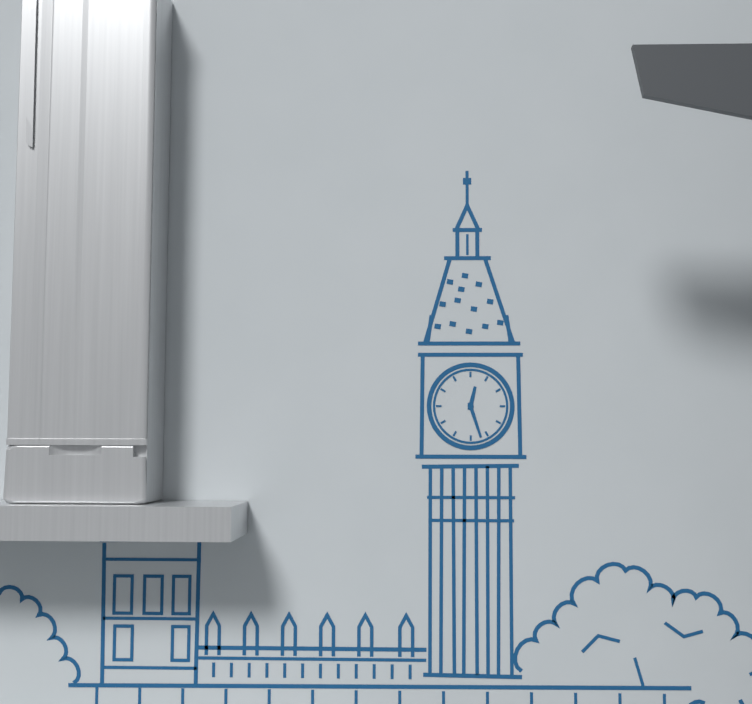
12.27
